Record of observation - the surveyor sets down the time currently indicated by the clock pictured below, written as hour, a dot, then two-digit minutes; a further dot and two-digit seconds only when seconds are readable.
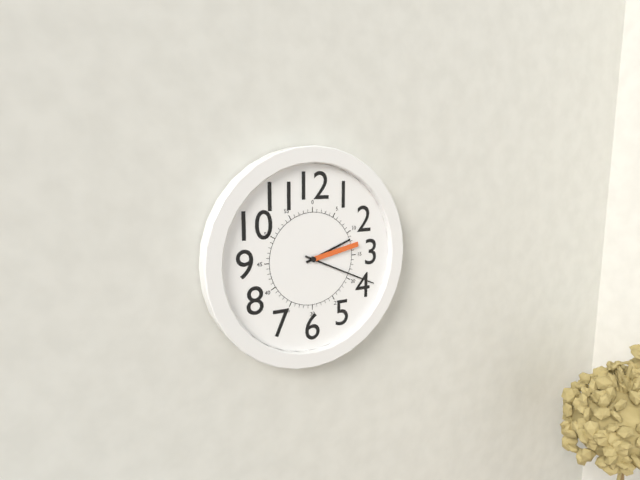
2.19.13
